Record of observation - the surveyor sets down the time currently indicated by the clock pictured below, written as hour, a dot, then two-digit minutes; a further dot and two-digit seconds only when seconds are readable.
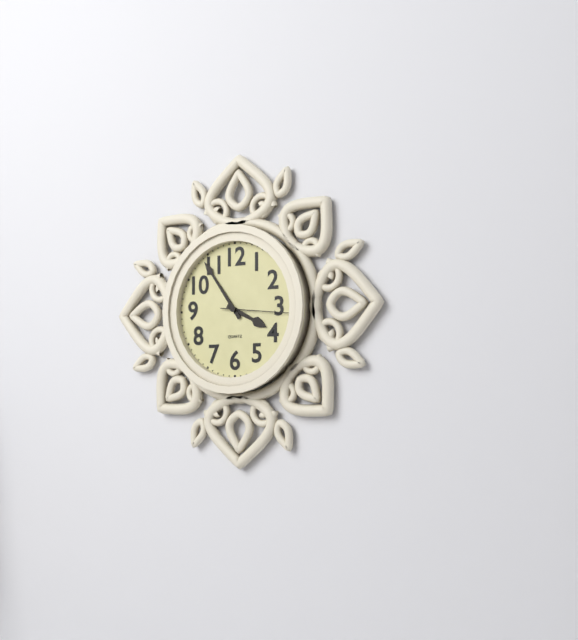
3.54.16
